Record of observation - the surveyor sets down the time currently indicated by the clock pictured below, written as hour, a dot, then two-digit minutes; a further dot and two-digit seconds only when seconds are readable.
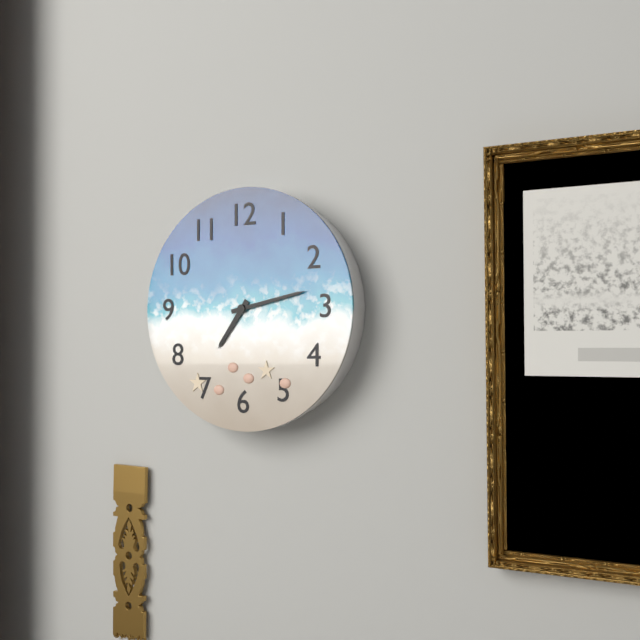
7.13
